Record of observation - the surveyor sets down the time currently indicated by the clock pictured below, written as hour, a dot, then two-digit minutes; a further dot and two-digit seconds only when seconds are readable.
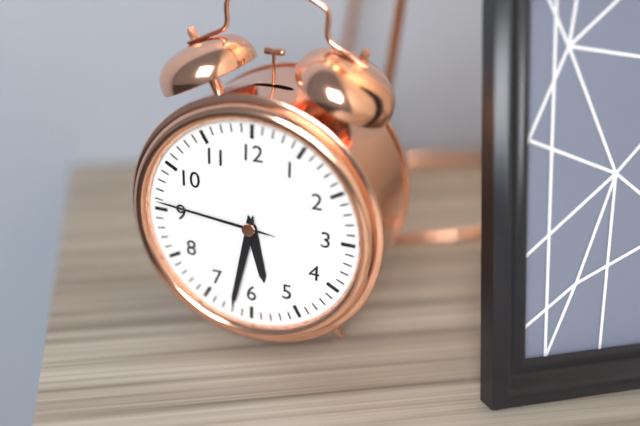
5.32.46
